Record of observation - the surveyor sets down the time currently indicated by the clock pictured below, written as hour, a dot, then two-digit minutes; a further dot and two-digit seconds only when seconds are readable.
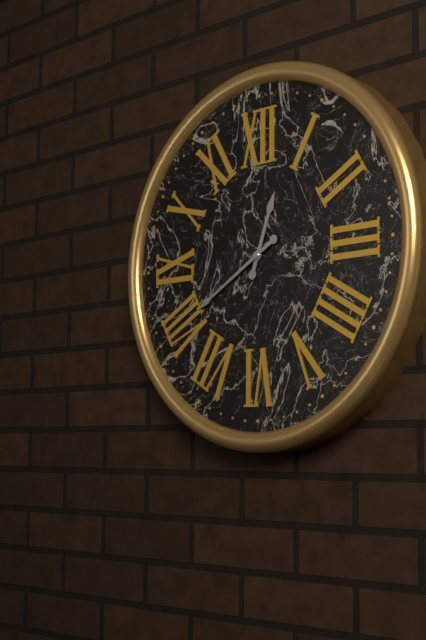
12.40
